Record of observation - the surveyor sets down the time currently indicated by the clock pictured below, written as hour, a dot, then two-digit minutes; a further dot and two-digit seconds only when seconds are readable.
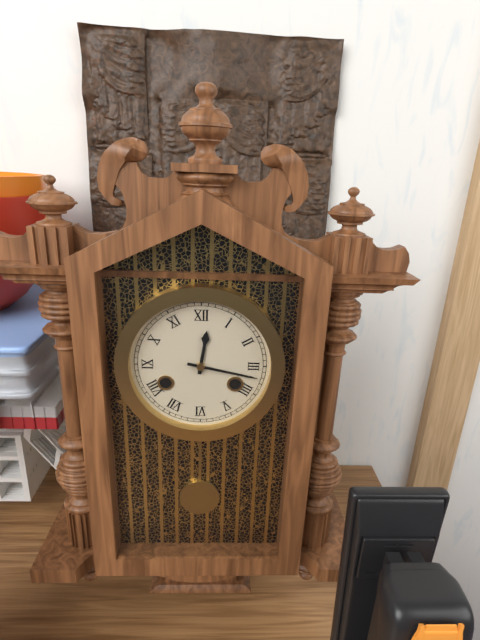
12.17
